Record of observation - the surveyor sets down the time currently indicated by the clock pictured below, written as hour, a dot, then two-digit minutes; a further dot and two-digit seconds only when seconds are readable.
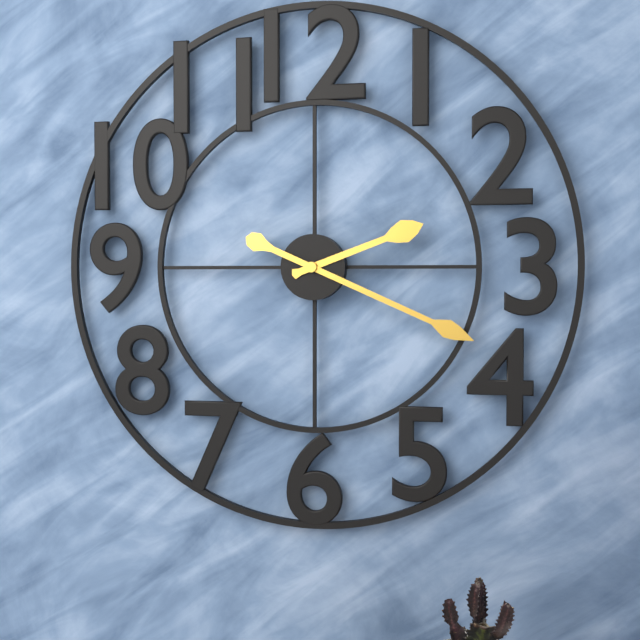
2.19
